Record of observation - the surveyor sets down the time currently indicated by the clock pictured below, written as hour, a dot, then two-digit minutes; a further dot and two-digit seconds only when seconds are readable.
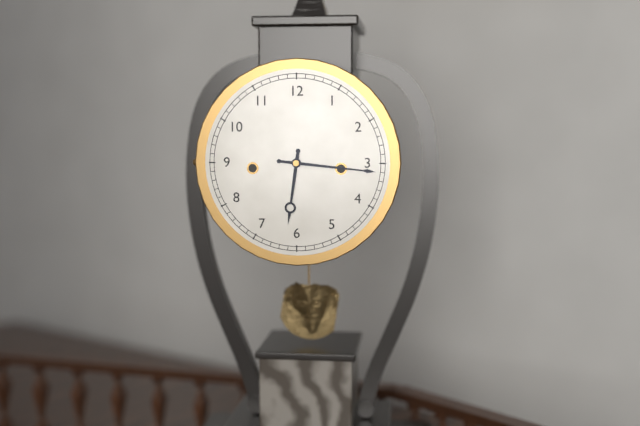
6.16
